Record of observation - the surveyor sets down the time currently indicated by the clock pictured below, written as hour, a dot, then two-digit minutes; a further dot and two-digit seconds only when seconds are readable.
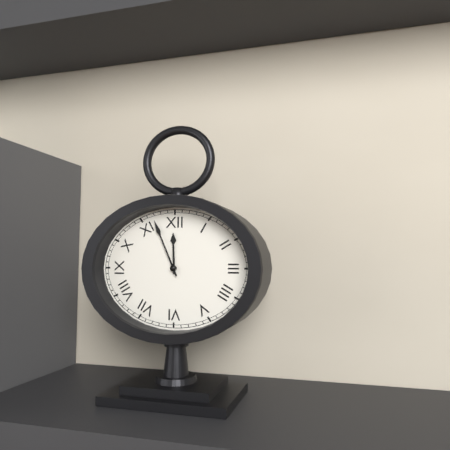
11.56
